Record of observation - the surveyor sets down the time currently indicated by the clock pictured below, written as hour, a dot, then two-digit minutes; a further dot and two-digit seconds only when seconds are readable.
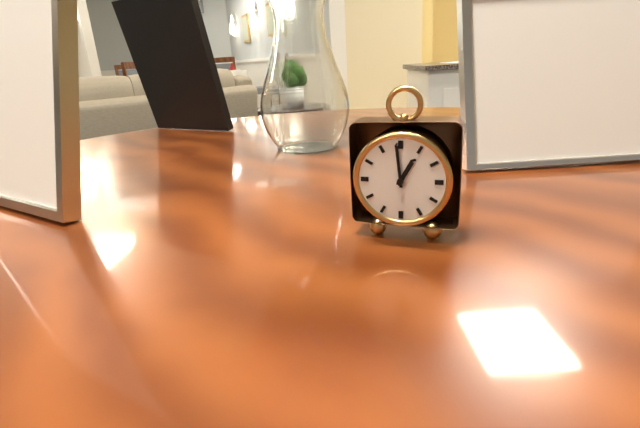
12.59
